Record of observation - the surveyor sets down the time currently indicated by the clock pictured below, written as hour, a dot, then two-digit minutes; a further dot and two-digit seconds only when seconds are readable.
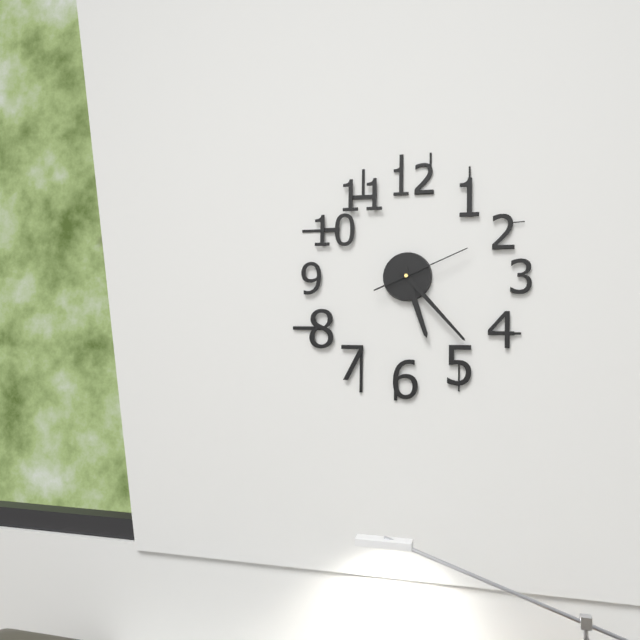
5.23.11
